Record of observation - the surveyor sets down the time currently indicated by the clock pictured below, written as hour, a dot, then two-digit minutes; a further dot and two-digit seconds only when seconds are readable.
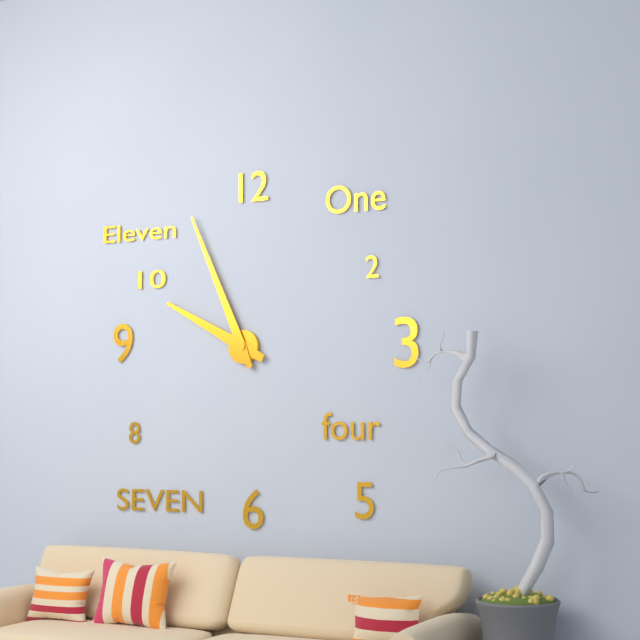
9.56
